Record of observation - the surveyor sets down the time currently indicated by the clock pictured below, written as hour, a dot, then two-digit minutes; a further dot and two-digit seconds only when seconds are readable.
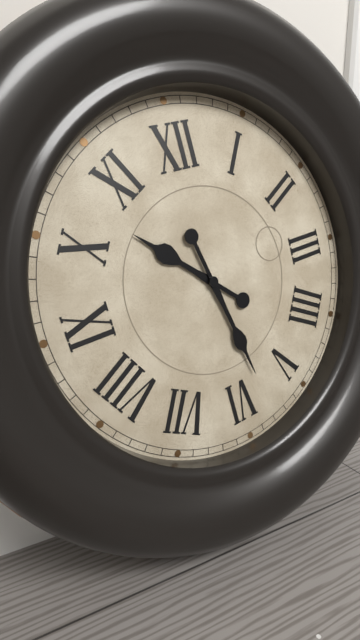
10.28
